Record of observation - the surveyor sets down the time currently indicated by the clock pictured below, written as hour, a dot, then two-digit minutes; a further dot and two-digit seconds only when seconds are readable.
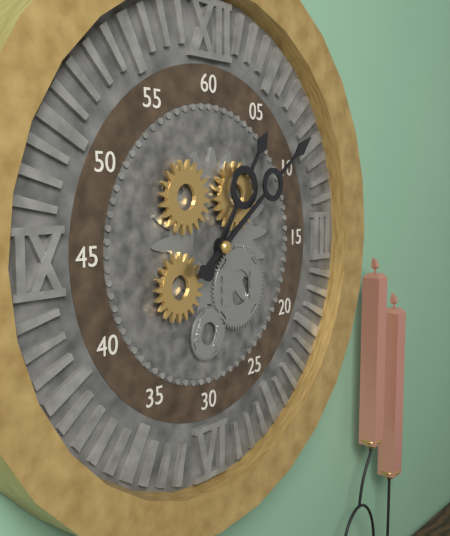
1.09
